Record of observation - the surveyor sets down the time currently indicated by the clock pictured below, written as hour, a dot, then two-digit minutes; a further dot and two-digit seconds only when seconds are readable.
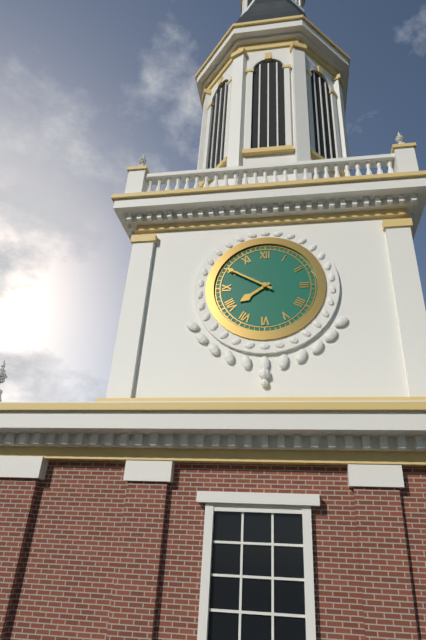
7.50
